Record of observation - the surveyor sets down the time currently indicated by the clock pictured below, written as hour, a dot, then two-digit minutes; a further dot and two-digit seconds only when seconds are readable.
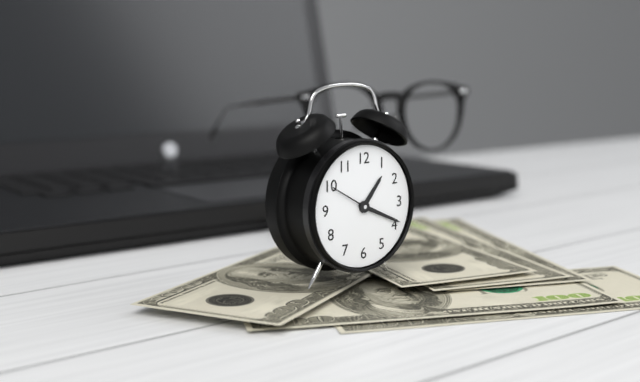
1.19
